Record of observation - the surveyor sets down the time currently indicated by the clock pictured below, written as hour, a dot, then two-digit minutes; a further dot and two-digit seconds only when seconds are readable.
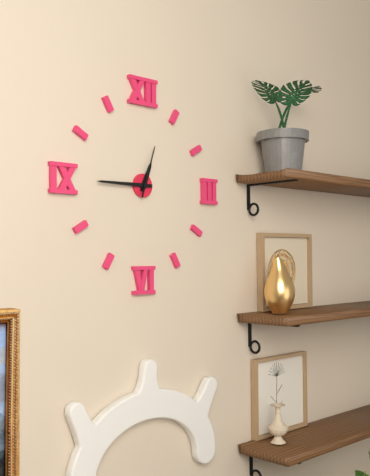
12.45.03
